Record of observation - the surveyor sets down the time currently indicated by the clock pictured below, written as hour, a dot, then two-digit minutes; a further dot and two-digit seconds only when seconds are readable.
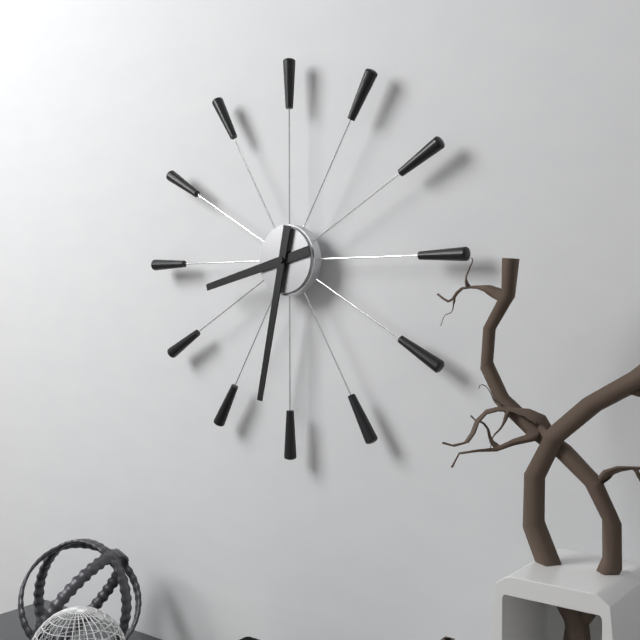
8.32
